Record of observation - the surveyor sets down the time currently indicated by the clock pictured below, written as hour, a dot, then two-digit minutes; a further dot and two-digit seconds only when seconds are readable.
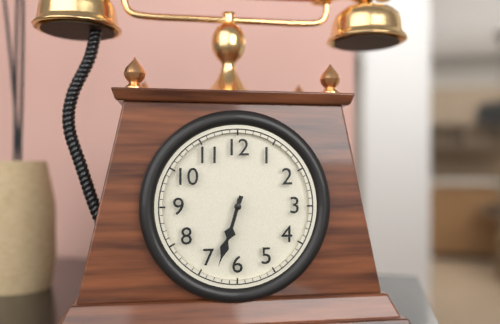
6.33
